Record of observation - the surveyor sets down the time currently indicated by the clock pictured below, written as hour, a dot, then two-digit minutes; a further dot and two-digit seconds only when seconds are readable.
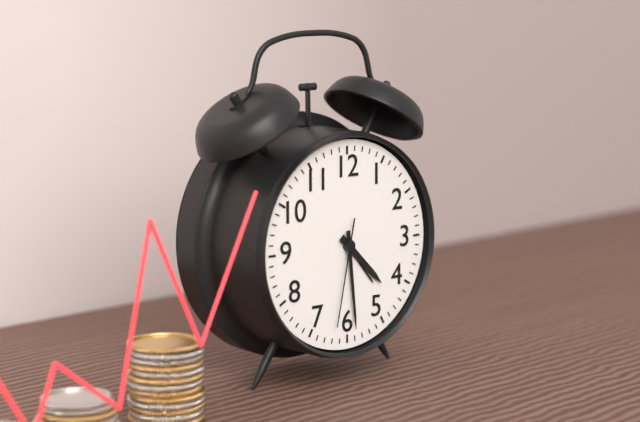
4.29.32
